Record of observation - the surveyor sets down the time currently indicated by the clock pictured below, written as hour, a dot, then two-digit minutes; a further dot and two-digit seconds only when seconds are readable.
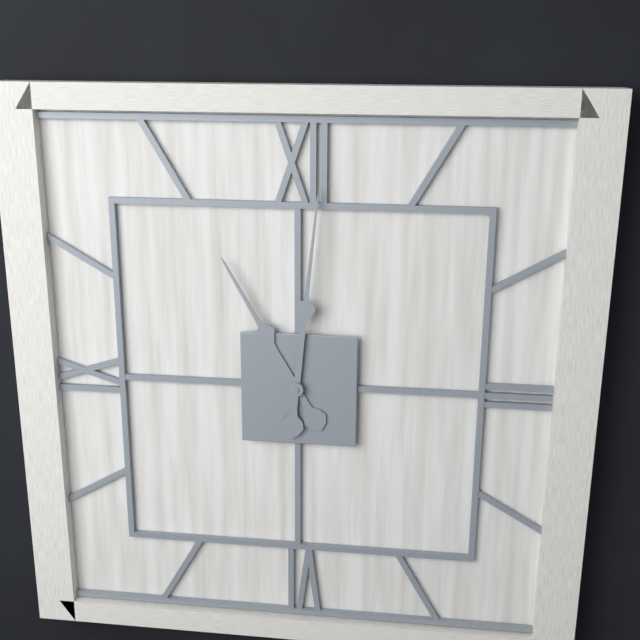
11.01
